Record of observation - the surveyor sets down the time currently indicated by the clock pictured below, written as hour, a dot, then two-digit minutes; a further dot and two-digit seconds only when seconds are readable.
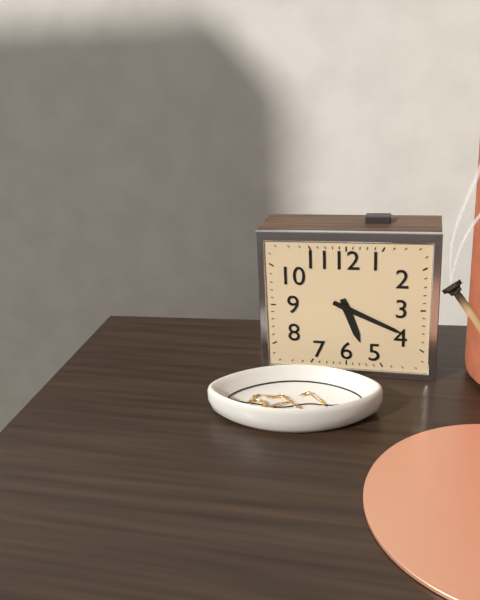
5.19
